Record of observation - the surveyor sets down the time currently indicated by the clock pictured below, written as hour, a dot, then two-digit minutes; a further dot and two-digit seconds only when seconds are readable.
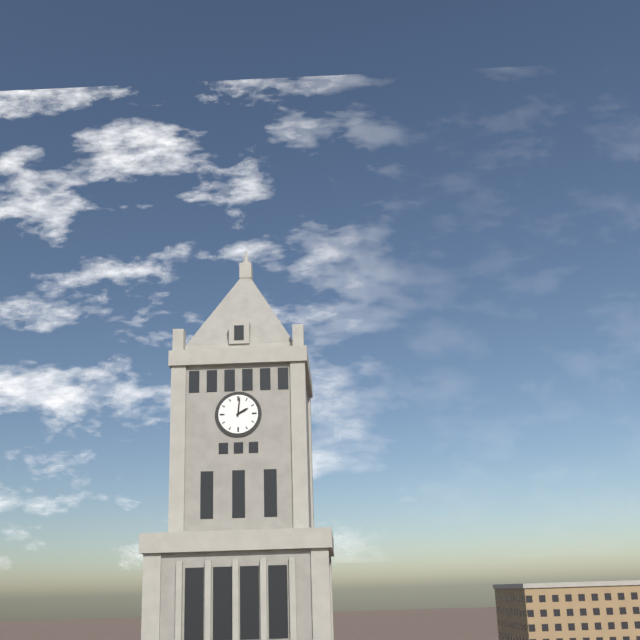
2.01
